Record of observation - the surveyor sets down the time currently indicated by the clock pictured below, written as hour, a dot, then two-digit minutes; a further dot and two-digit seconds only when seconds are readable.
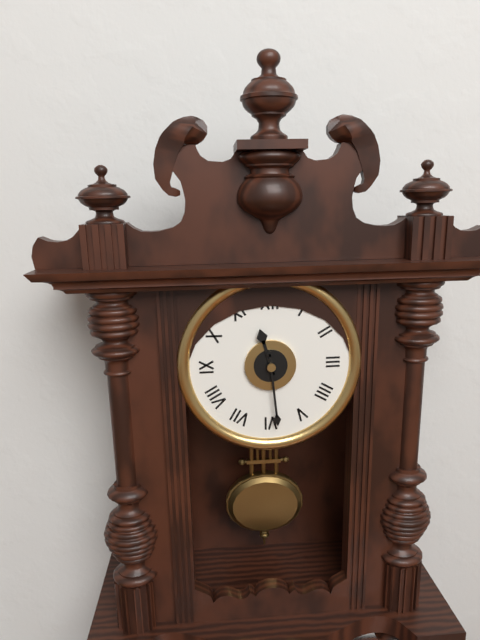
11.29
